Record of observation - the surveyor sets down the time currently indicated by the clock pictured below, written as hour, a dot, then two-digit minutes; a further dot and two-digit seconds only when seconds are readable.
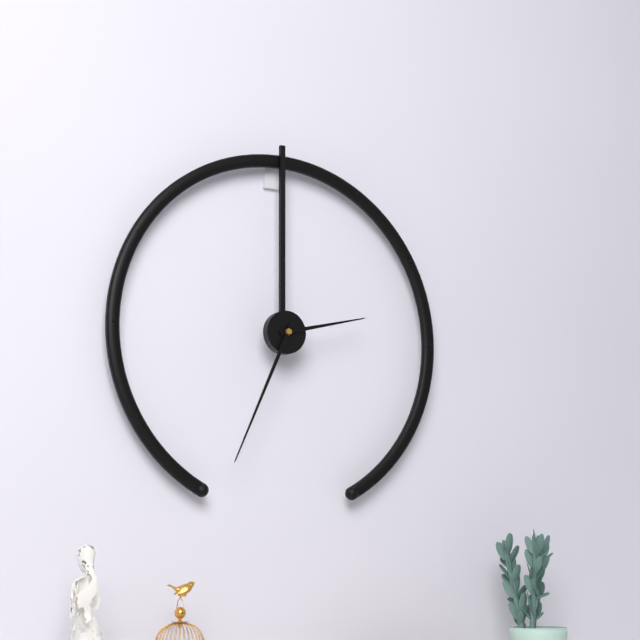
2.34
